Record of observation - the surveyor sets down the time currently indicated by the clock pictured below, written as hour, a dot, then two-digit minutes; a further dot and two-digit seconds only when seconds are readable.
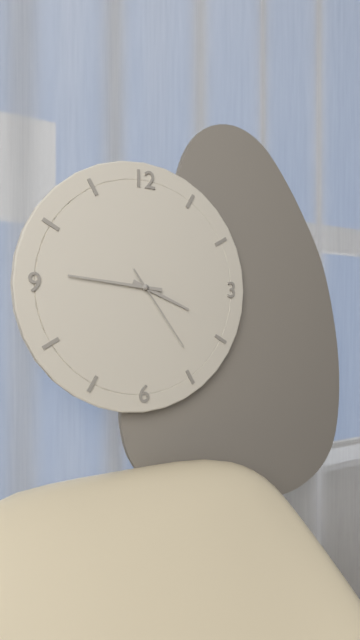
3.46.24
